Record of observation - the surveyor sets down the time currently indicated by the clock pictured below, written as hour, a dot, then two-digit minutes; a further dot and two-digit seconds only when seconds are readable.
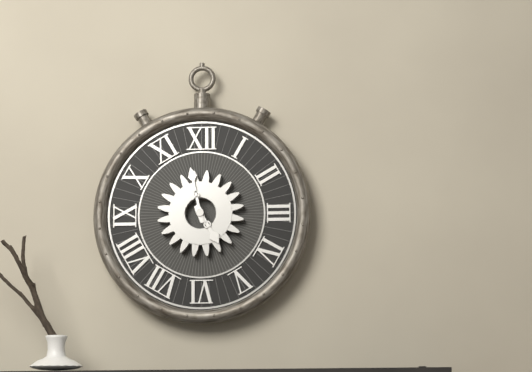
4.58
